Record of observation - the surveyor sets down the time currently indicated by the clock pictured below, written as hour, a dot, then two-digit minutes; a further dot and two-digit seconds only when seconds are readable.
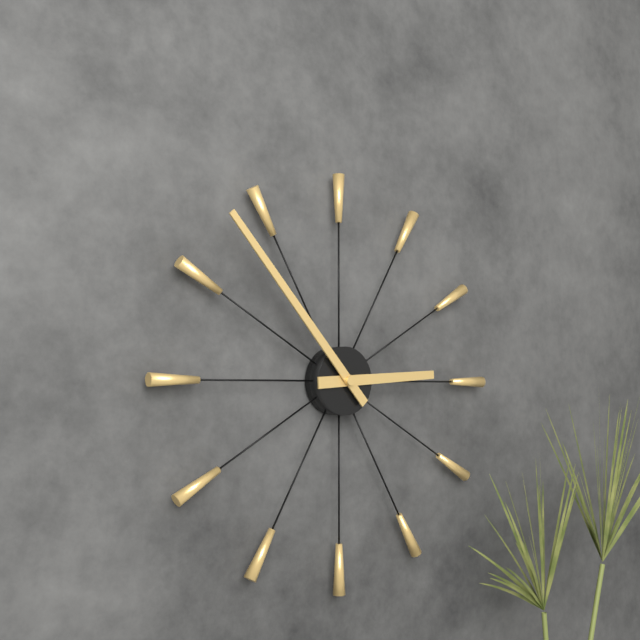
2.53
